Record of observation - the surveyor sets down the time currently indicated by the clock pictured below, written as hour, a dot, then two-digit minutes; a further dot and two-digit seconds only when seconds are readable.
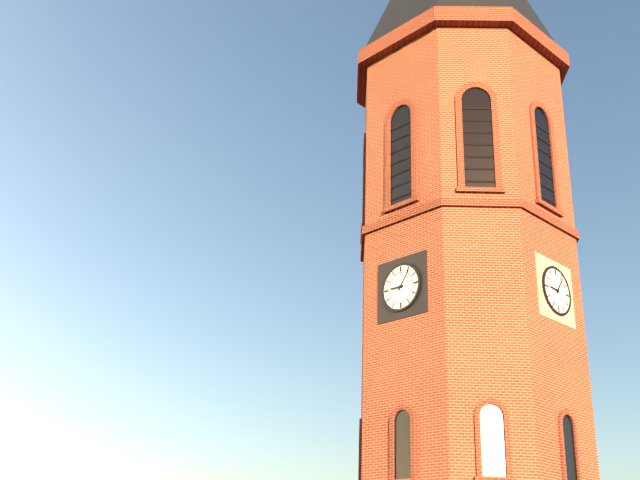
9.06
